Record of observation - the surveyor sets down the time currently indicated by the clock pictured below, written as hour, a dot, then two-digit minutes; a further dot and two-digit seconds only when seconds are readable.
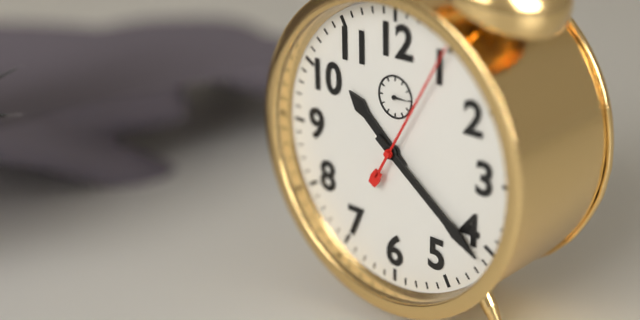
10.21.05
